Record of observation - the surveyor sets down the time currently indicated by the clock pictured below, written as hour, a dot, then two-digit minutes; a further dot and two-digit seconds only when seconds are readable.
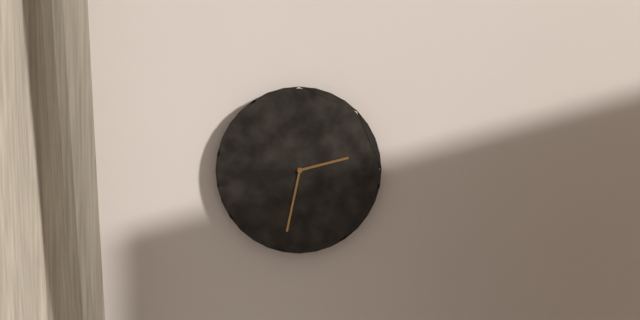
2.32
